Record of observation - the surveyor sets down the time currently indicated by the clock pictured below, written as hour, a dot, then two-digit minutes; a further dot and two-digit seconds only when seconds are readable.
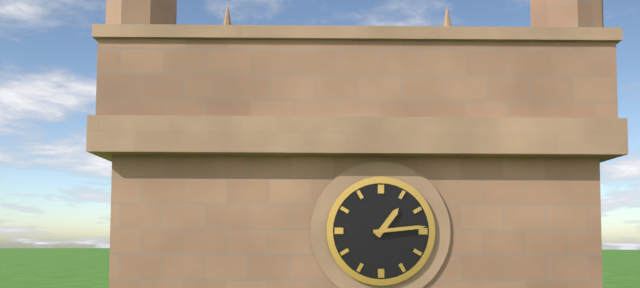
1.14
